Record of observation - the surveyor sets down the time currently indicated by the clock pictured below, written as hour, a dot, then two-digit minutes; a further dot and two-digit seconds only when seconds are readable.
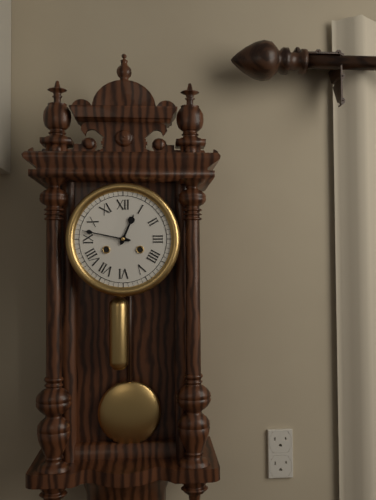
12.47
